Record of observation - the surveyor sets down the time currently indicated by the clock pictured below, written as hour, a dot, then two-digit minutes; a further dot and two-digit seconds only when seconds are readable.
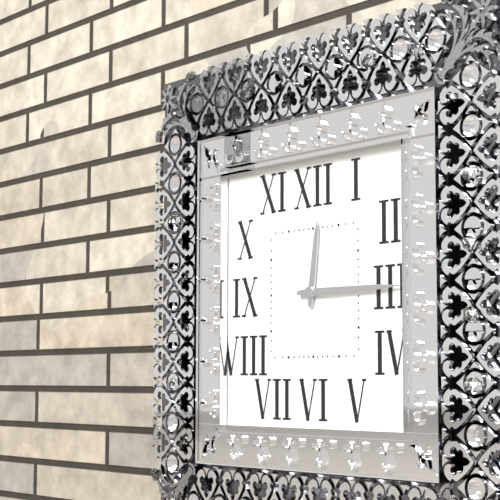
12.15
